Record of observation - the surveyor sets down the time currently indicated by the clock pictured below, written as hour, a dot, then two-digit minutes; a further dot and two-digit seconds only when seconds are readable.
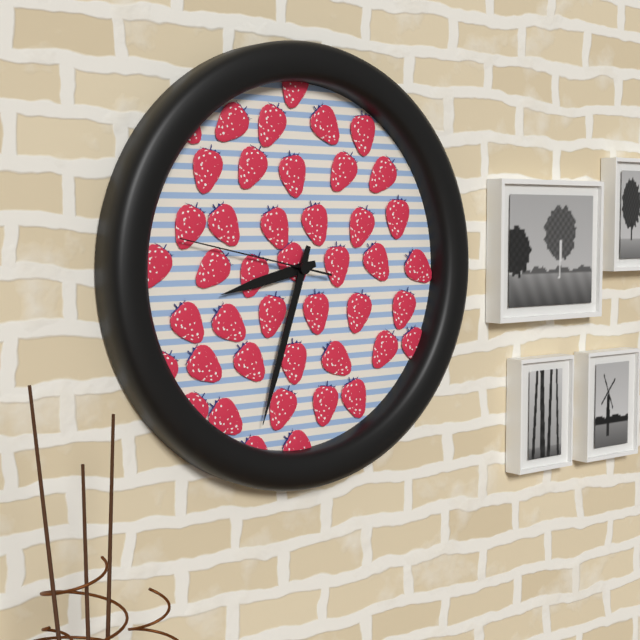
8.33.47
